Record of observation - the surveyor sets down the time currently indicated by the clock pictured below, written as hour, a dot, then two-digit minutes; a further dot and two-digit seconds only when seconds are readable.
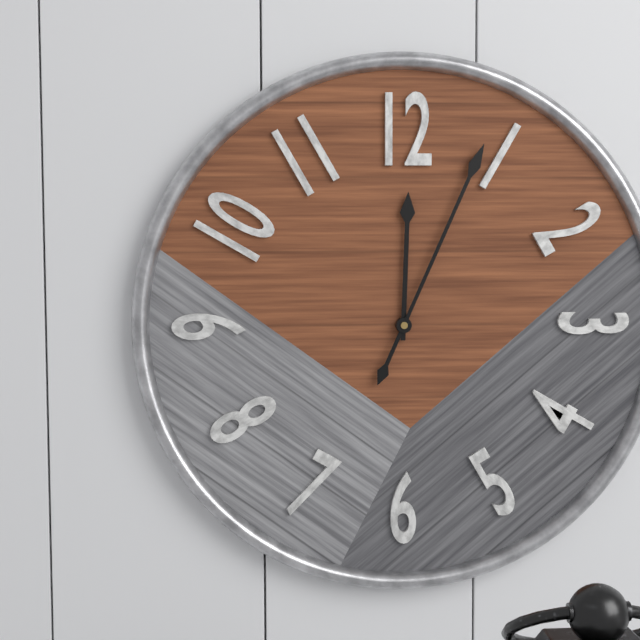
12.04
